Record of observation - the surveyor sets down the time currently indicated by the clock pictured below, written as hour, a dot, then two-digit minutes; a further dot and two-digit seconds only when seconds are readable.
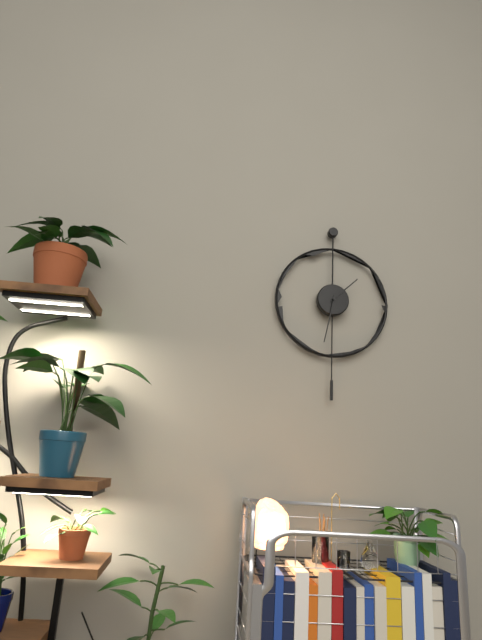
1.32
